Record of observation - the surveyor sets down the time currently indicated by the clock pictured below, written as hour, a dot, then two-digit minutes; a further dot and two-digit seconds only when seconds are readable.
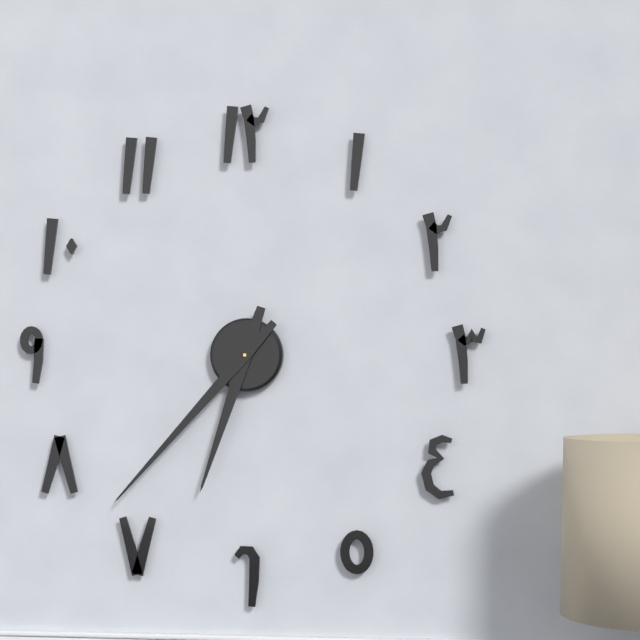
6.37
